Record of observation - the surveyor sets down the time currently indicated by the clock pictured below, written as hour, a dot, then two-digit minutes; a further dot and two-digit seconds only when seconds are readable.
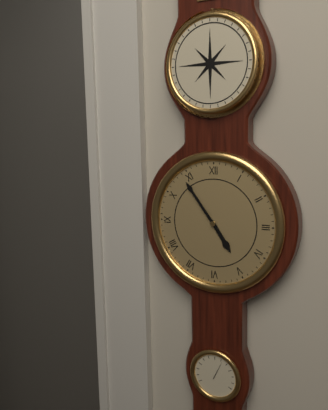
4.54
